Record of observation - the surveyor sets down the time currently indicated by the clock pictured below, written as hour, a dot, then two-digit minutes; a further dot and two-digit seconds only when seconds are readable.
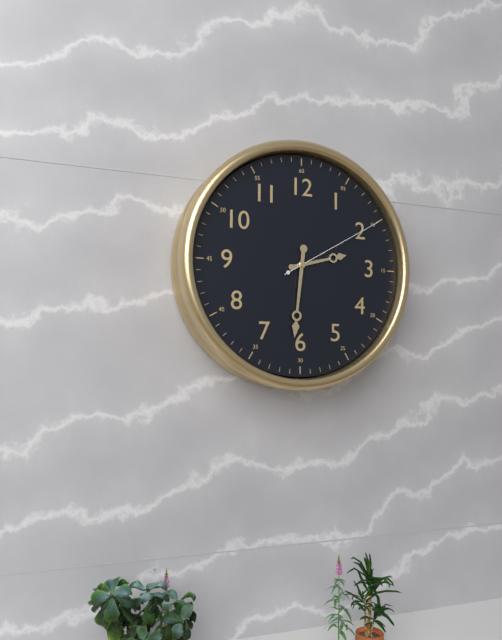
2.31.10
